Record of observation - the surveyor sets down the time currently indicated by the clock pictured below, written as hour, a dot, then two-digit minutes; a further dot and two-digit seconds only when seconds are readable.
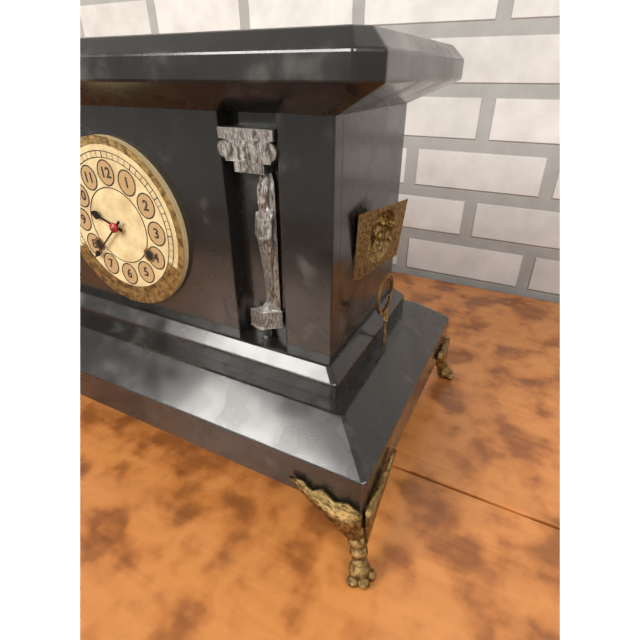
9.38
